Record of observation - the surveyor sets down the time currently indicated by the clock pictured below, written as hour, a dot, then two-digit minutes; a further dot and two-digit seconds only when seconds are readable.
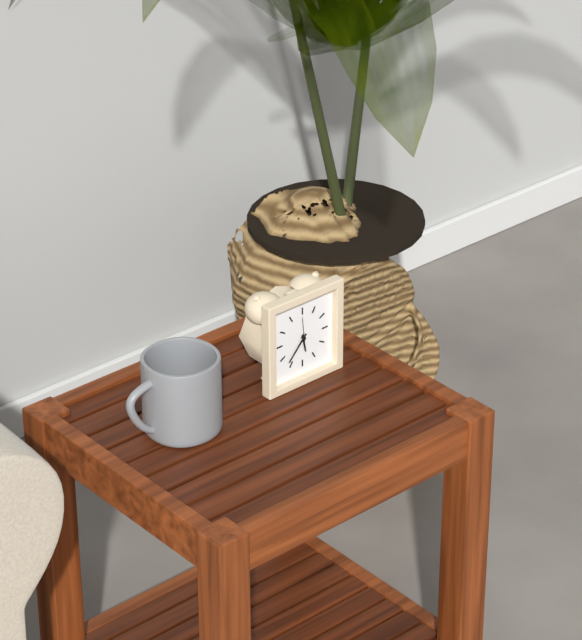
5.37
